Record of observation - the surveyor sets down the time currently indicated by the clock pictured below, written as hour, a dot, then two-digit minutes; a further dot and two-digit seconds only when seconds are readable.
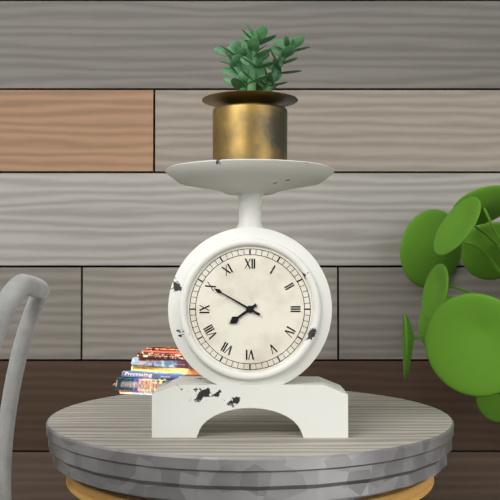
7.50
